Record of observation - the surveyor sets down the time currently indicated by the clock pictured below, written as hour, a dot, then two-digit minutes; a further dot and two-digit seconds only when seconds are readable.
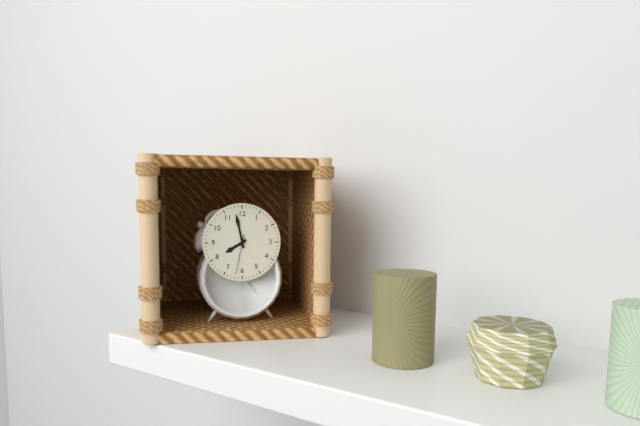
7.58
